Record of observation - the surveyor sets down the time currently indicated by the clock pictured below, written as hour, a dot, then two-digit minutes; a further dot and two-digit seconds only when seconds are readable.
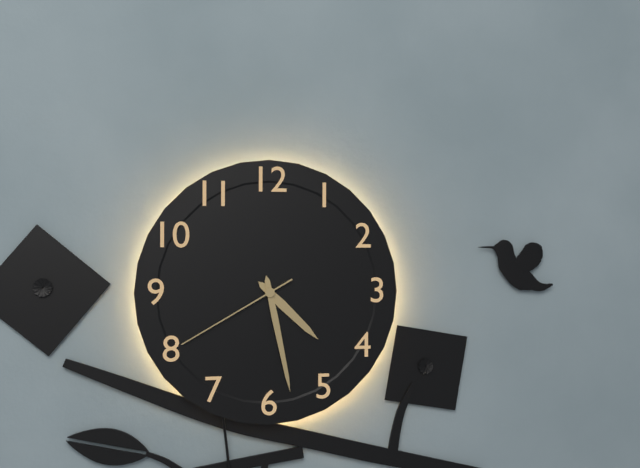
4.28.40
